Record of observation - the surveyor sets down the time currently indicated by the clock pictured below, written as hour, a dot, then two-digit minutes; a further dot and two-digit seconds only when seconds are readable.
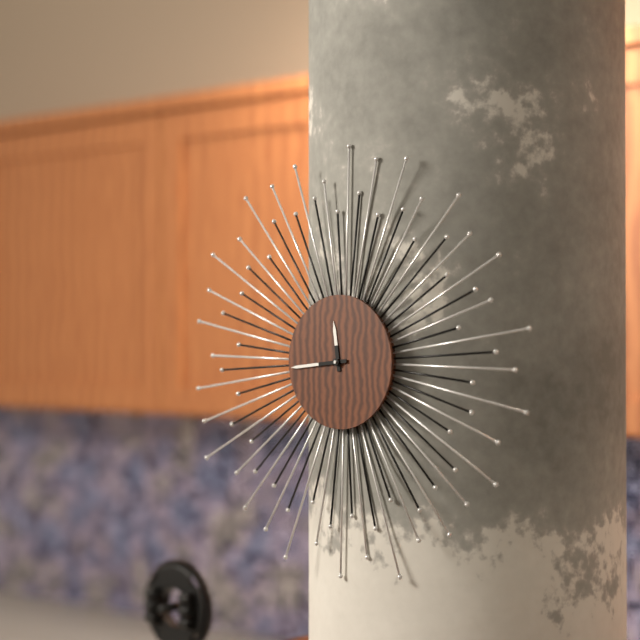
11.44
